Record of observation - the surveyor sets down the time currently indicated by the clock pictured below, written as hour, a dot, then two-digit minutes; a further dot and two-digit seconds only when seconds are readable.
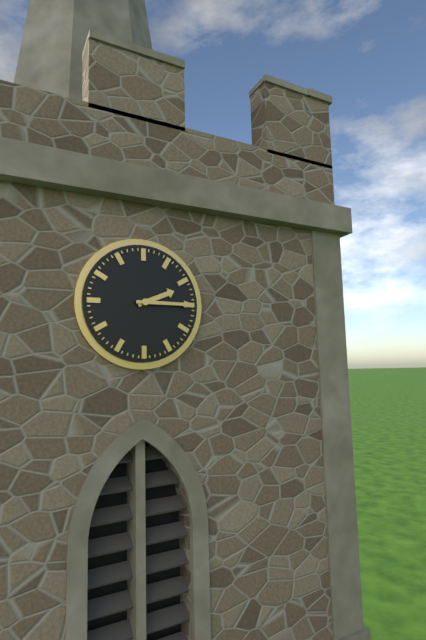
2.15
